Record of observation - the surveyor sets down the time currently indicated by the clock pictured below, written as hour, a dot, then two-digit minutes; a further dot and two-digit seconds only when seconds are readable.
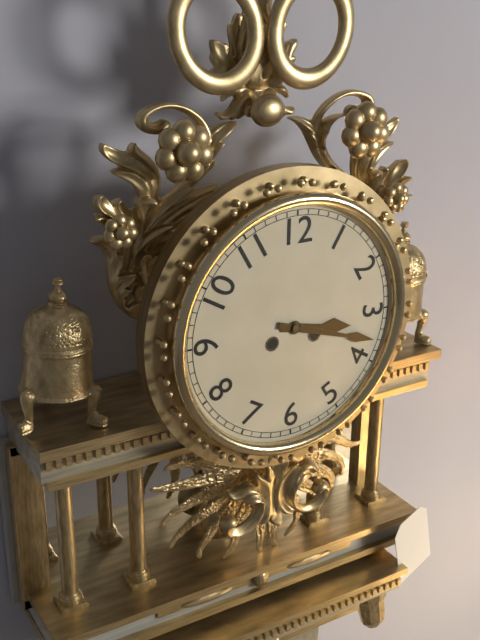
3.18
